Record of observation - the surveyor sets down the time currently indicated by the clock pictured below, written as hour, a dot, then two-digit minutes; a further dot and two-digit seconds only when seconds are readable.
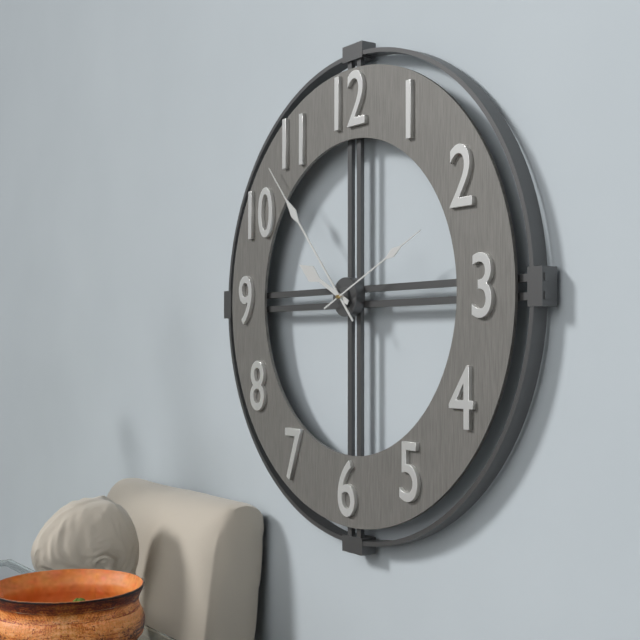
9.53.11
